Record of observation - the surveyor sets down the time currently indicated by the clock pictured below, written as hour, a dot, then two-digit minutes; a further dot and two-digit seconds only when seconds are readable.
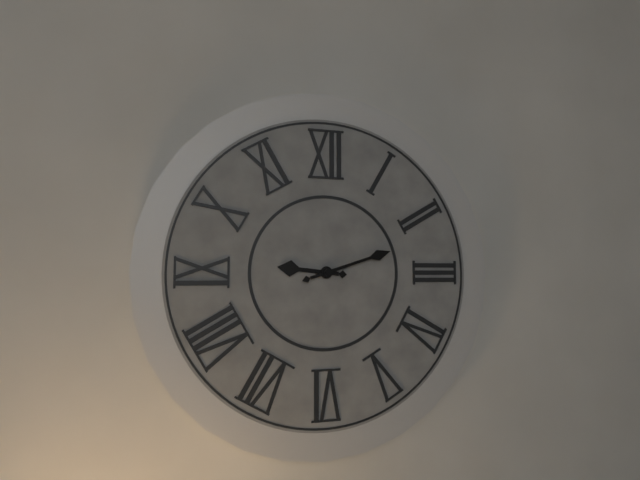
9.12
